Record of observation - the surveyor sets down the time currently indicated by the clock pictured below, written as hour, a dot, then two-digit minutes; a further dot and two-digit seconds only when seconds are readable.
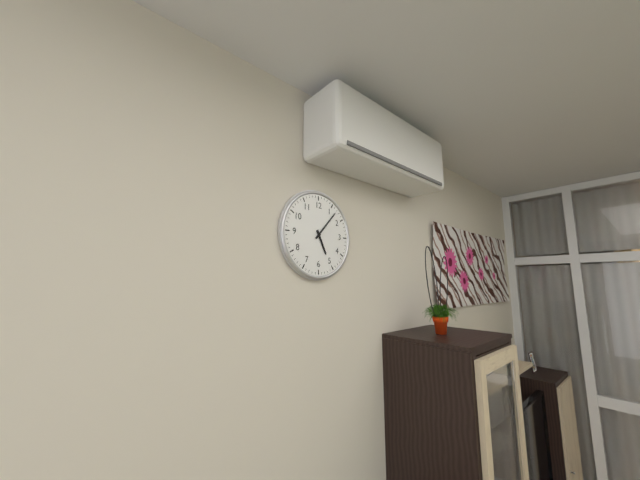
5.07
